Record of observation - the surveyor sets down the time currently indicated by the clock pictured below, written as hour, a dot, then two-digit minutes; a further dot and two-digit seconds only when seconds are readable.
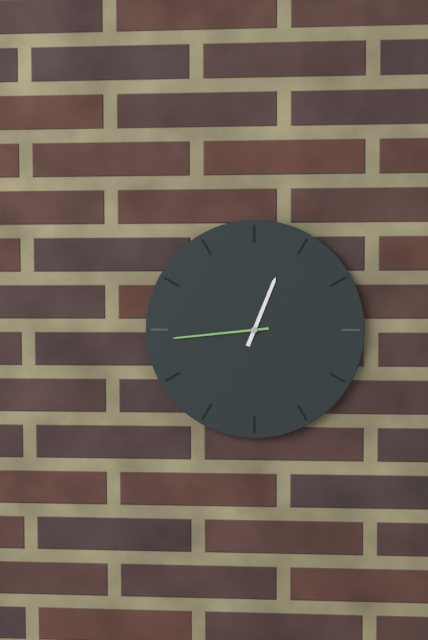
12.44
